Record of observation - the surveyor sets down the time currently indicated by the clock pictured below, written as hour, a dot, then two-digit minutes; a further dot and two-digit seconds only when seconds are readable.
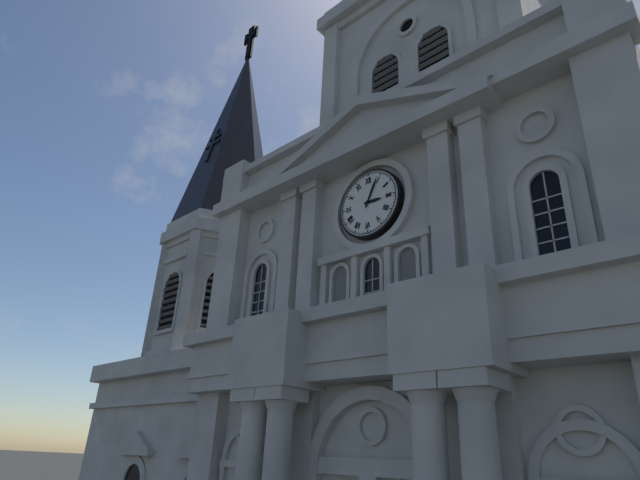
3.04
